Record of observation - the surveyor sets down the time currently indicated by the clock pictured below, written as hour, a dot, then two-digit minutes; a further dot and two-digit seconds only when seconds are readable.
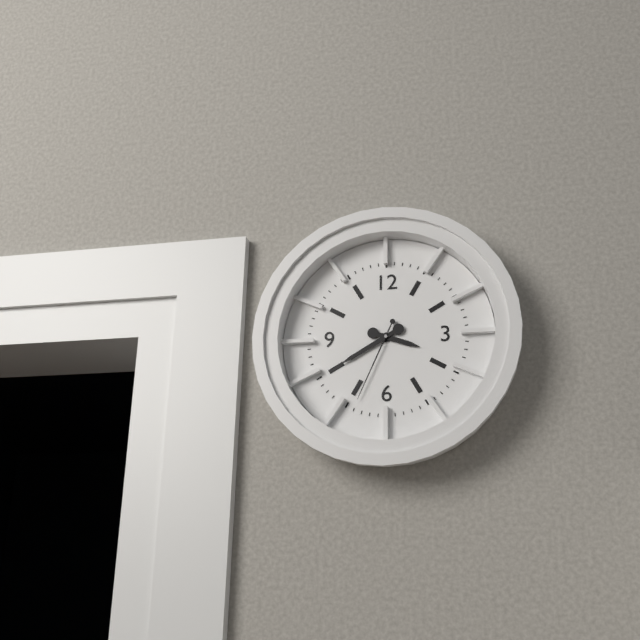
3.40.34
